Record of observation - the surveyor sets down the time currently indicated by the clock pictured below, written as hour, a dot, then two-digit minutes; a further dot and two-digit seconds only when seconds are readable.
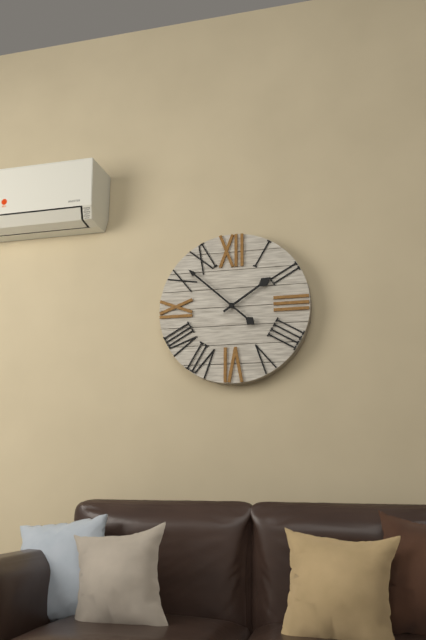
1.52
